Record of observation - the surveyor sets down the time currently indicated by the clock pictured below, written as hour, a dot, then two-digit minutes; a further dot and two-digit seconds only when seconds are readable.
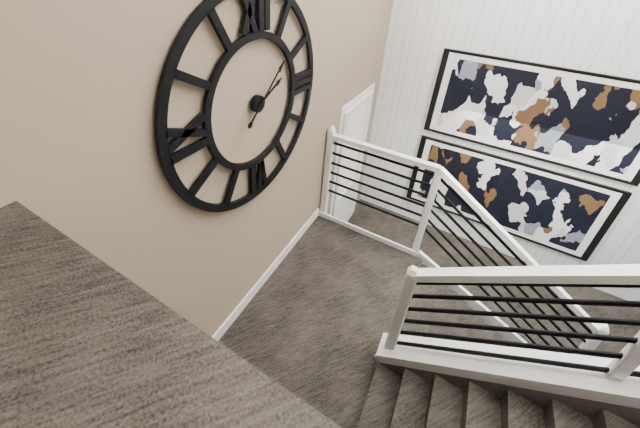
2.08
